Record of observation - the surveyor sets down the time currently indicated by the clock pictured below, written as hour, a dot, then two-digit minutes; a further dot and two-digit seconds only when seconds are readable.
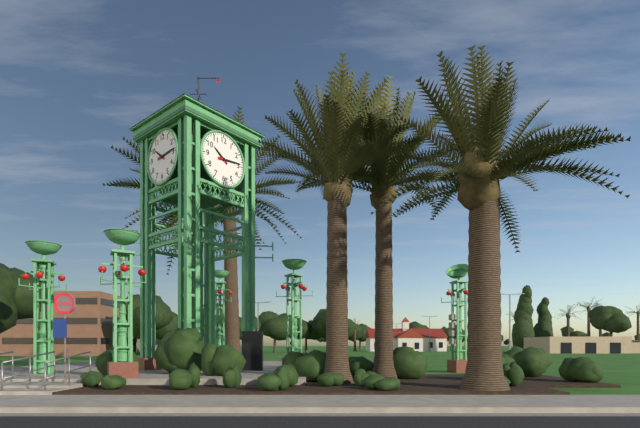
10.14
